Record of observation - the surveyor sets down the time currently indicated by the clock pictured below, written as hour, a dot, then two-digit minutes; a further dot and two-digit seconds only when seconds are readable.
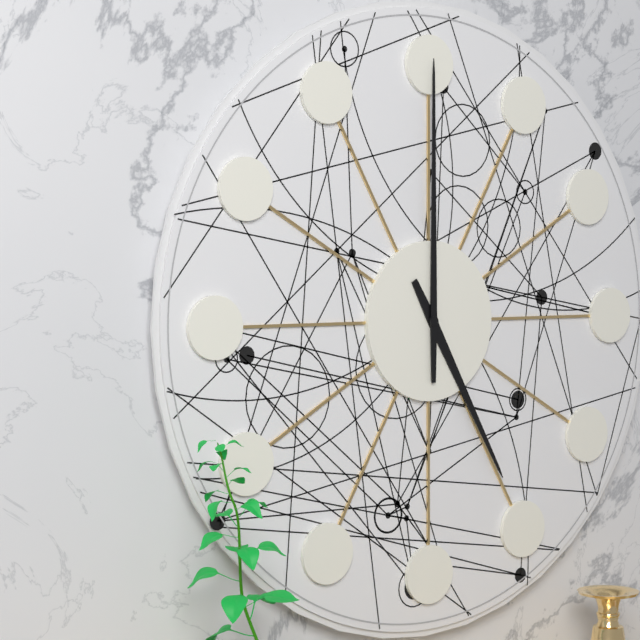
5.00
